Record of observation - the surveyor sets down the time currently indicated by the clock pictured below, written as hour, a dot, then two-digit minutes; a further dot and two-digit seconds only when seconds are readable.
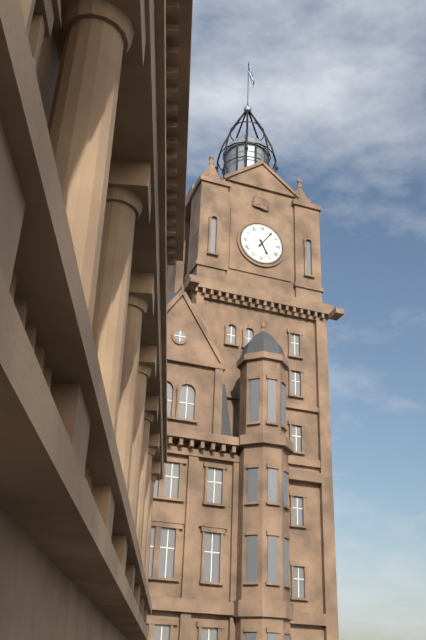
5.06
